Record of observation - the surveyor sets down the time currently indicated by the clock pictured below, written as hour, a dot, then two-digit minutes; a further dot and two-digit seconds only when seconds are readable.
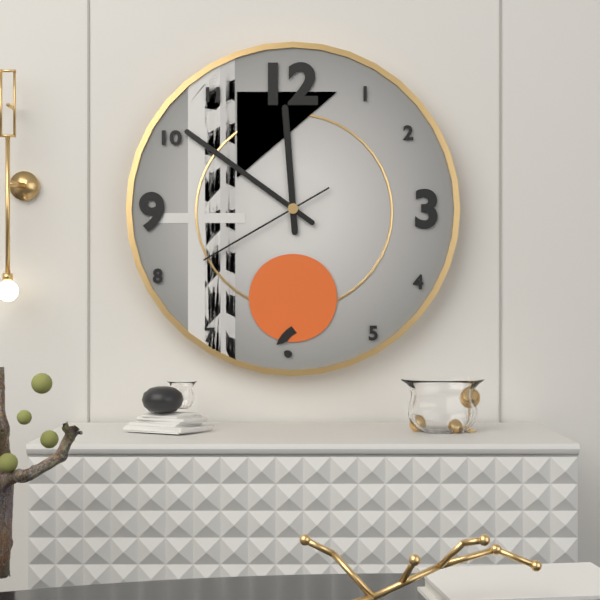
11.51.40
